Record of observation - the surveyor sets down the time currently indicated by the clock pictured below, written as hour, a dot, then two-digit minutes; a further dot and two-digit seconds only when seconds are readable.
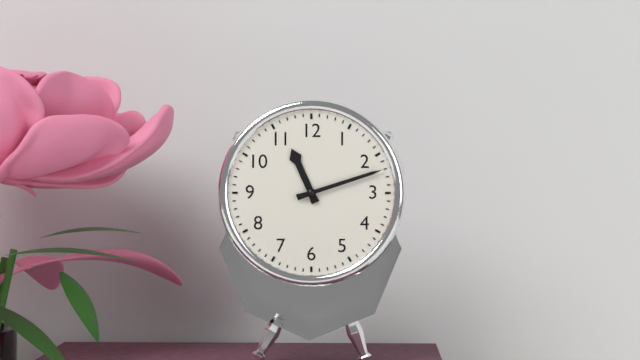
11.12
